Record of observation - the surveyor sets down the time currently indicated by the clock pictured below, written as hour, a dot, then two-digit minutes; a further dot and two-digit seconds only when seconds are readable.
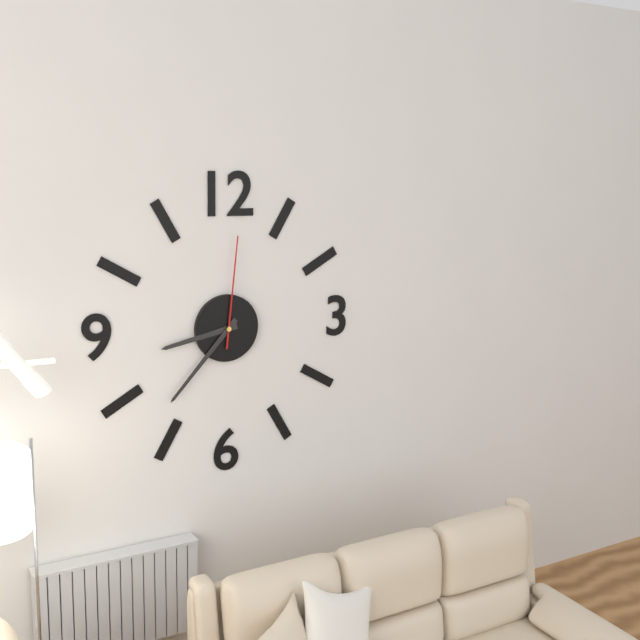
8.37.01
